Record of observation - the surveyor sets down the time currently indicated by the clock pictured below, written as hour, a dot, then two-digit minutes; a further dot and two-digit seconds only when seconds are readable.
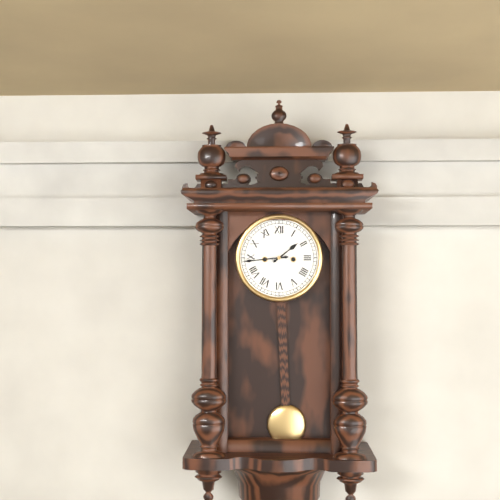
1.44
